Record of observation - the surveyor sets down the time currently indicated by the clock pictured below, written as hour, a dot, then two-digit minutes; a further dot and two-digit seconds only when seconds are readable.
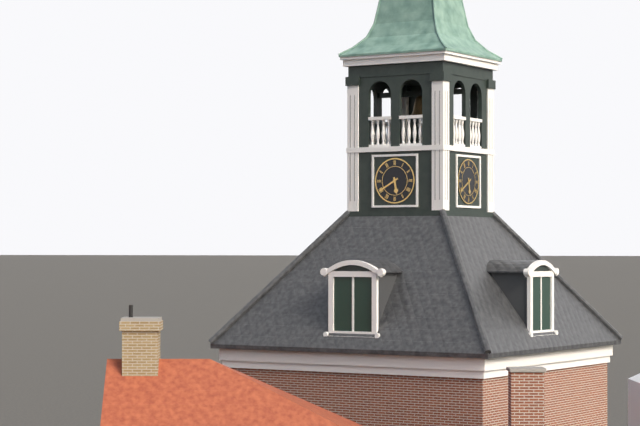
5.40
